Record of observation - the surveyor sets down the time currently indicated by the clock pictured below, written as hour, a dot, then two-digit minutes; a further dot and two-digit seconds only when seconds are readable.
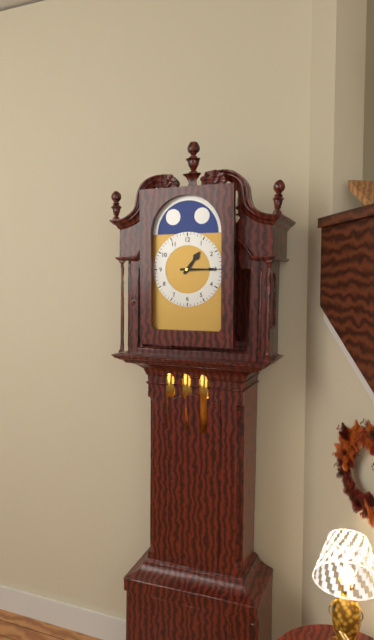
1.15
